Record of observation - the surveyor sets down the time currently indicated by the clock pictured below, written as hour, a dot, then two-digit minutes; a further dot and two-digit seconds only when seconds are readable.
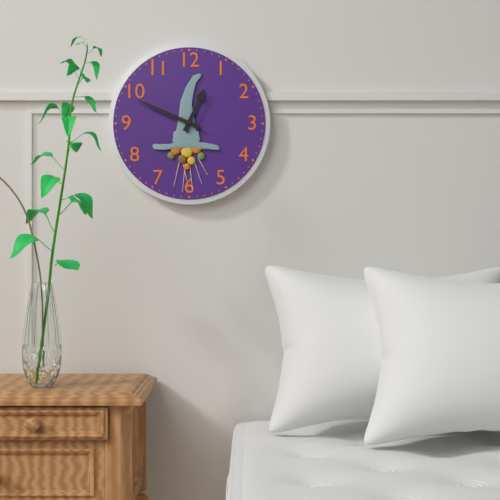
12.49
